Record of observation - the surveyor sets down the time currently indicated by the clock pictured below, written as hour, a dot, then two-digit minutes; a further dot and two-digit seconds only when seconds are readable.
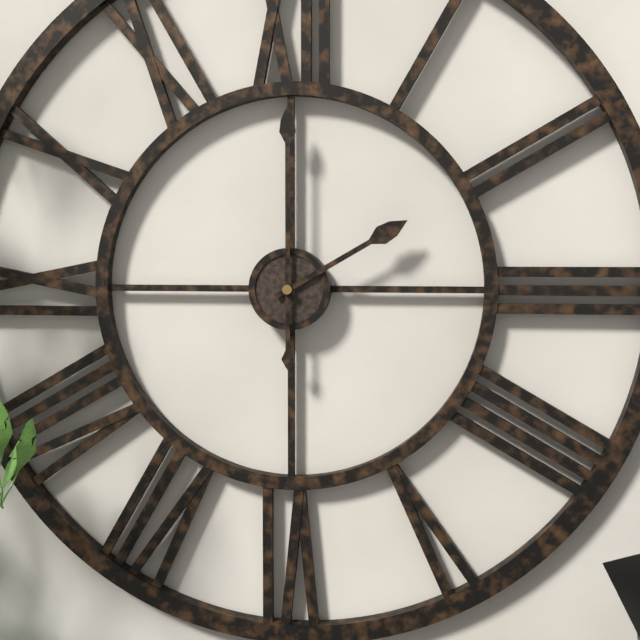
2.00
